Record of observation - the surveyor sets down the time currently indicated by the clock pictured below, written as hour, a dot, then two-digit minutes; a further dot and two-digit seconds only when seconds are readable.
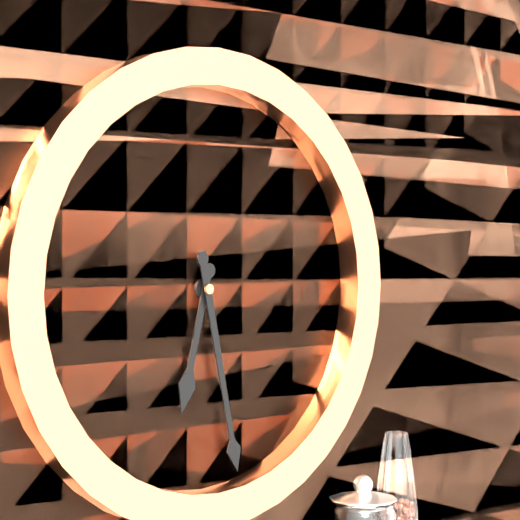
6.28
